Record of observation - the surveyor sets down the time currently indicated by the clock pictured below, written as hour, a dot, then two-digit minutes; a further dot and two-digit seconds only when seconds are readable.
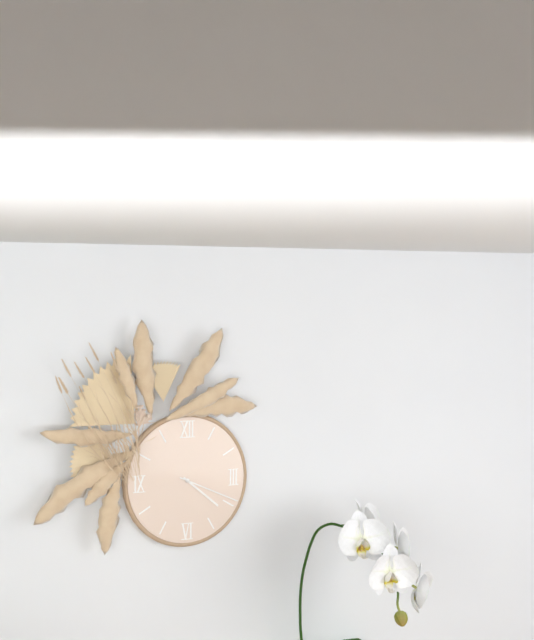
4.19
